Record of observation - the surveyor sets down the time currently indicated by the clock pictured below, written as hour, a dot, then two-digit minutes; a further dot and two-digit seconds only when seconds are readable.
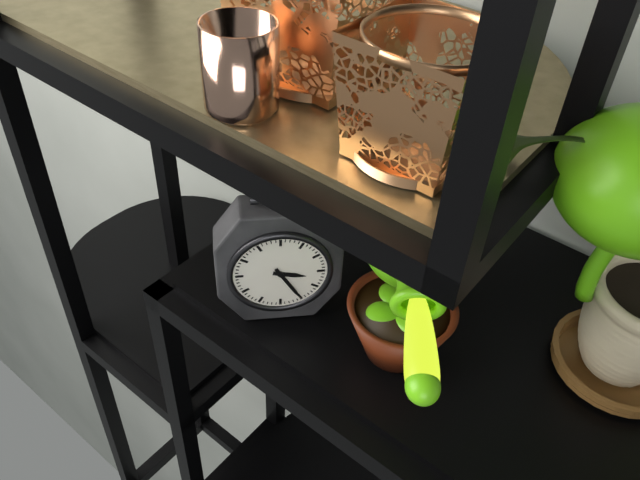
3.25
